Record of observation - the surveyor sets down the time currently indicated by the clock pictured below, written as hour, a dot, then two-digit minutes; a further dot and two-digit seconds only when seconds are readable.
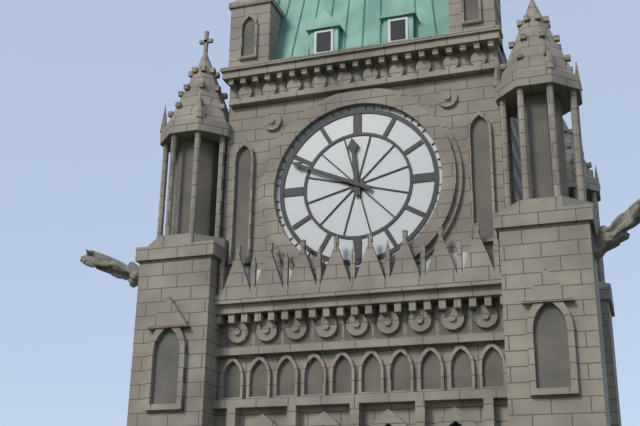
11.49
